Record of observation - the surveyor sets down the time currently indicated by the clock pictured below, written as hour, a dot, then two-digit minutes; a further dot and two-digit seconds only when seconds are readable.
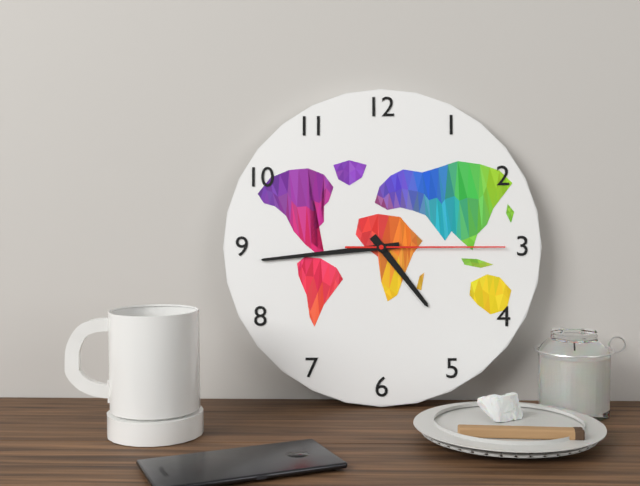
4.44.15
